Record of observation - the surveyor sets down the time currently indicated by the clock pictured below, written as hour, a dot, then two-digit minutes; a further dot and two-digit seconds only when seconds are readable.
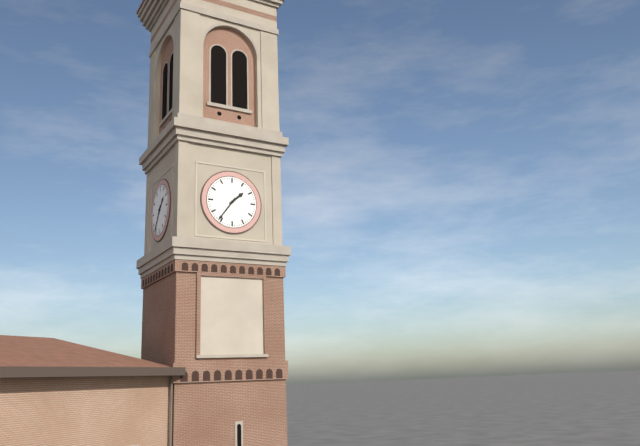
1.36
